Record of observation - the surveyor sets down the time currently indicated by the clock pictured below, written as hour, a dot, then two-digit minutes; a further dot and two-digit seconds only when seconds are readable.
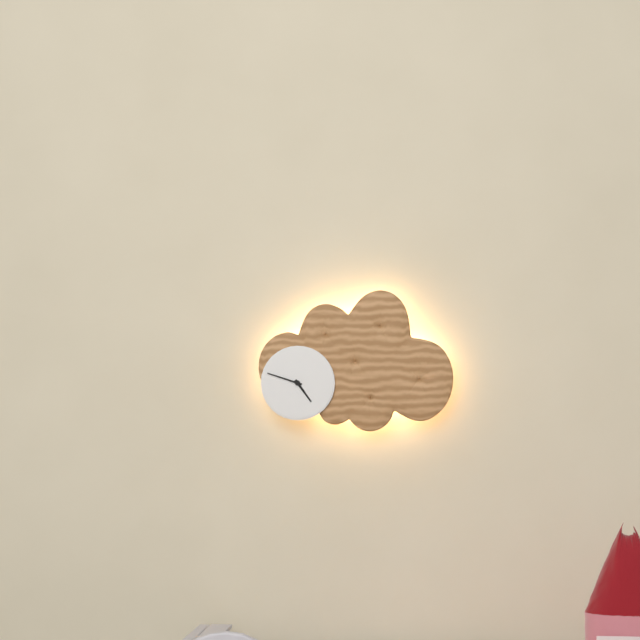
4.48
